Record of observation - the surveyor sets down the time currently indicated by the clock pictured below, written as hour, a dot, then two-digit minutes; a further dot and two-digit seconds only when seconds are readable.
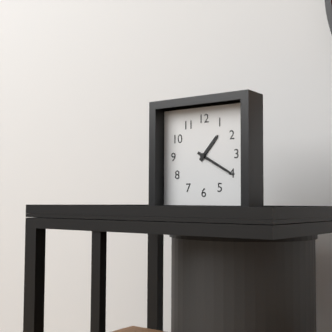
1.20
